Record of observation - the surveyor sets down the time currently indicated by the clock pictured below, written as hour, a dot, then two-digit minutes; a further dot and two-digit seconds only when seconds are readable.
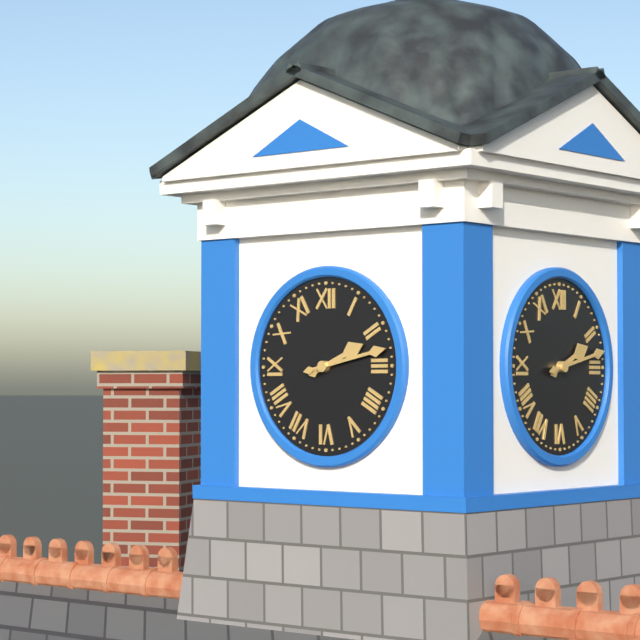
2.13
